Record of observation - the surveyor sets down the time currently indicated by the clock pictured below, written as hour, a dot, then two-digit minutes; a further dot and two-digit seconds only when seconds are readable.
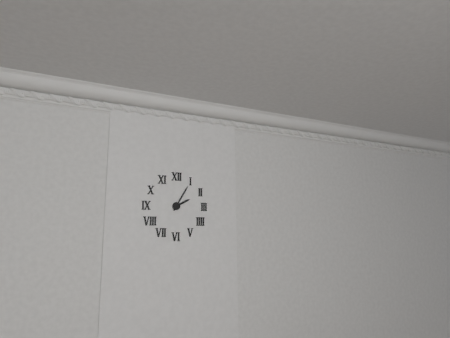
2.05
